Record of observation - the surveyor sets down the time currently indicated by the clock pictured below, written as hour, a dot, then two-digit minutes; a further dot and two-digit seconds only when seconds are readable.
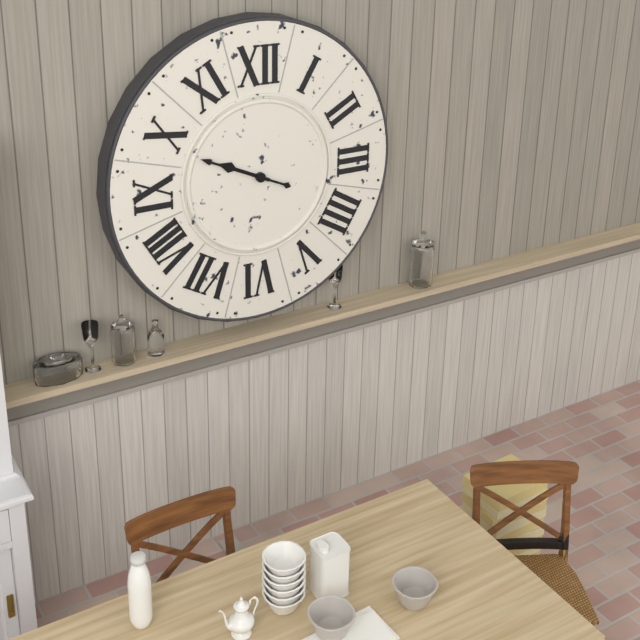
9.49
